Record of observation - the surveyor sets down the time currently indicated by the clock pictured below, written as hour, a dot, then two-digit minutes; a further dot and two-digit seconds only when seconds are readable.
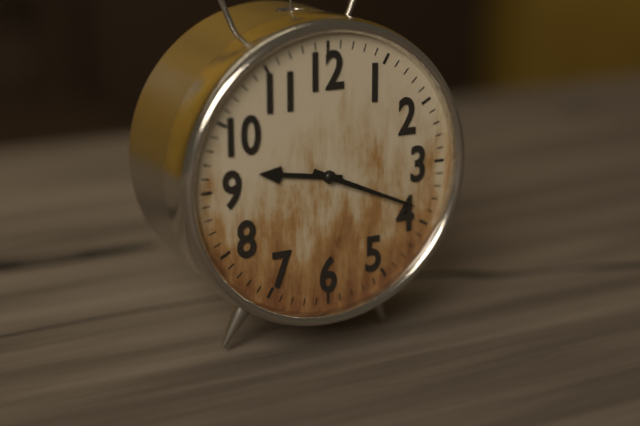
9.19
